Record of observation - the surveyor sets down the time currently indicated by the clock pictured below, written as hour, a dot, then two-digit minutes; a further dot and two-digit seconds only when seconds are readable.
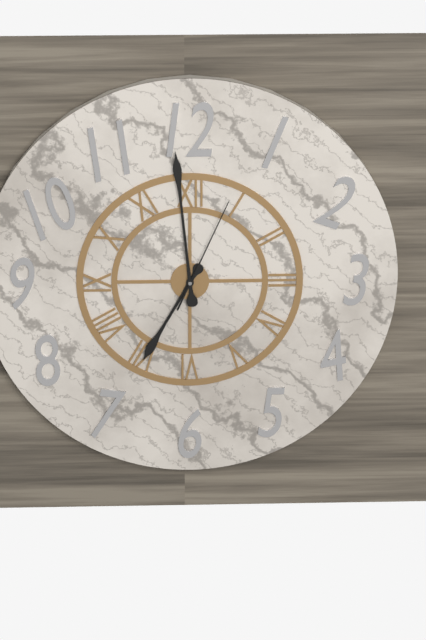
6.59.04
